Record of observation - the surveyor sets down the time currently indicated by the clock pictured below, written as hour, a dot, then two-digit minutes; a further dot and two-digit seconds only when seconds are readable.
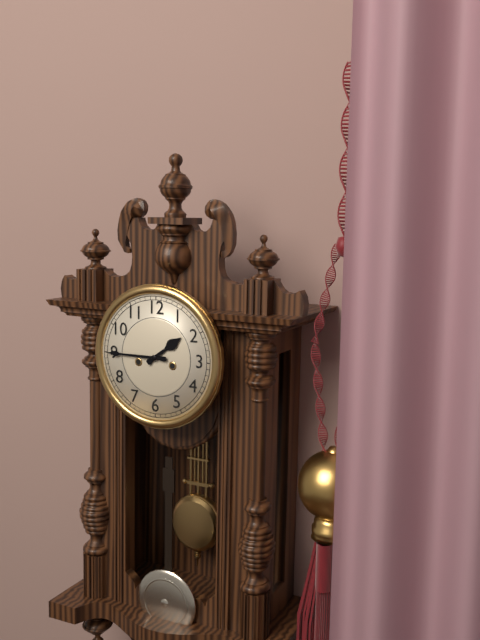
1.45
